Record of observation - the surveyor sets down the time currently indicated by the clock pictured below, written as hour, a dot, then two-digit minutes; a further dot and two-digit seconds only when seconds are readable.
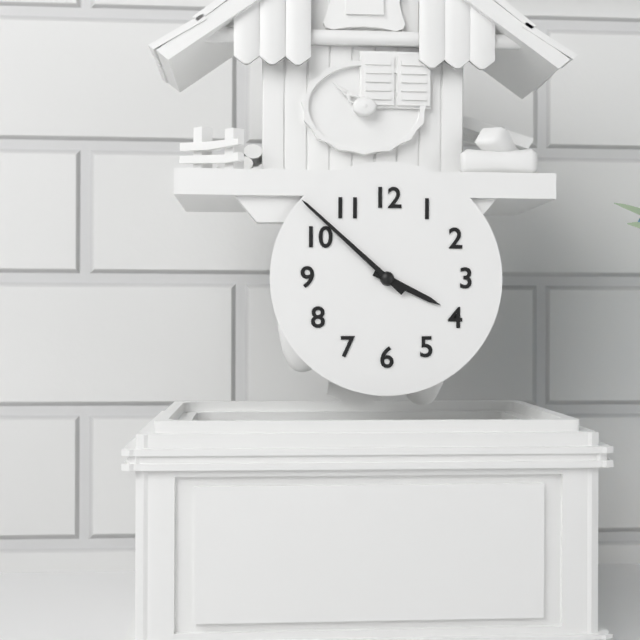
3.52
